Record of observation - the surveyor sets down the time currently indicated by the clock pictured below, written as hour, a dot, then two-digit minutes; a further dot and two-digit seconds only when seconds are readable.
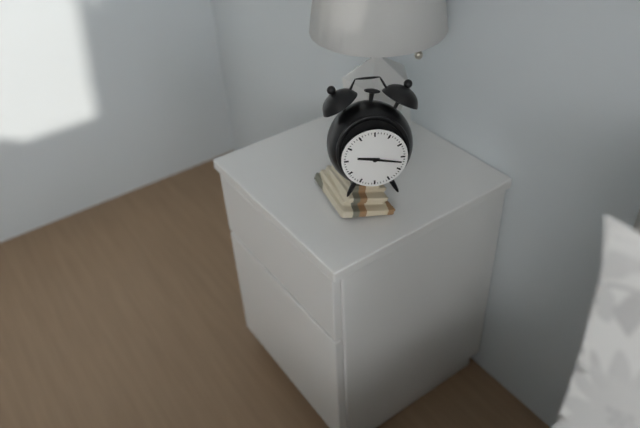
9.17
